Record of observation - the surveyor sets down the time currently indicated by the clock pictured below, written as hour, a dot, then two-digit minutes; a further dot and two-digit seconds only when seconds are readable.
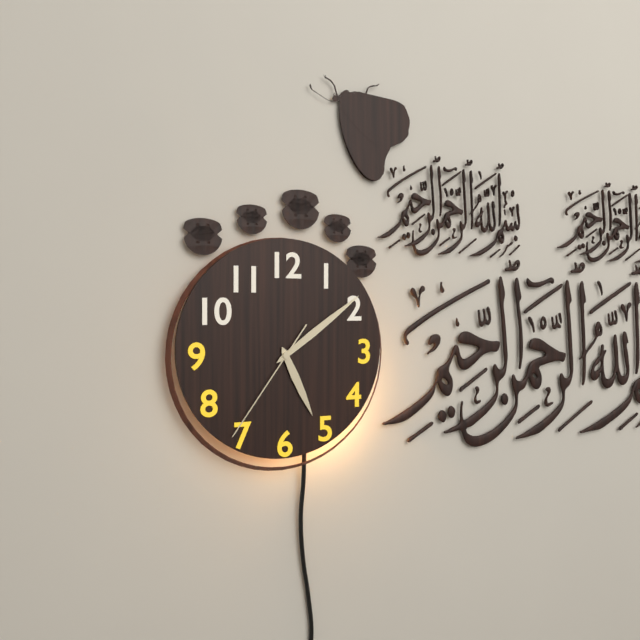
5.09.36
